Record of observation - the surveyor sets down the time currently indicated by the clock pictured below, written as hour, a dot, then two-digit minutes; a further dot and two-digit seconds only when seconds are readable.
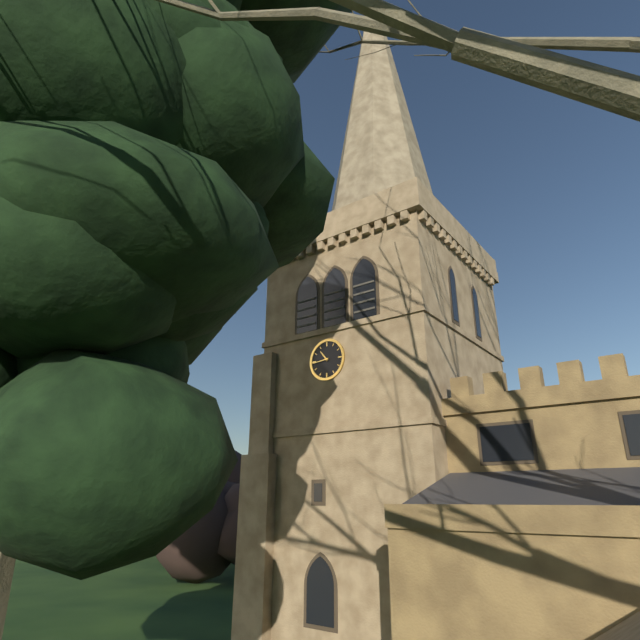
10.44
